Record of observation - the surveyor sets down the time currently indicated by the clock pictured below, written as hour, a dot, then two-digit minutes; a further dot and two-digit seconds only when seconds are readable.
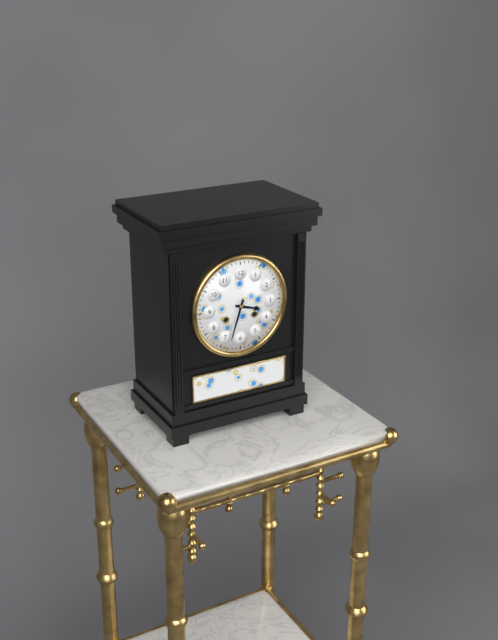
3.33
